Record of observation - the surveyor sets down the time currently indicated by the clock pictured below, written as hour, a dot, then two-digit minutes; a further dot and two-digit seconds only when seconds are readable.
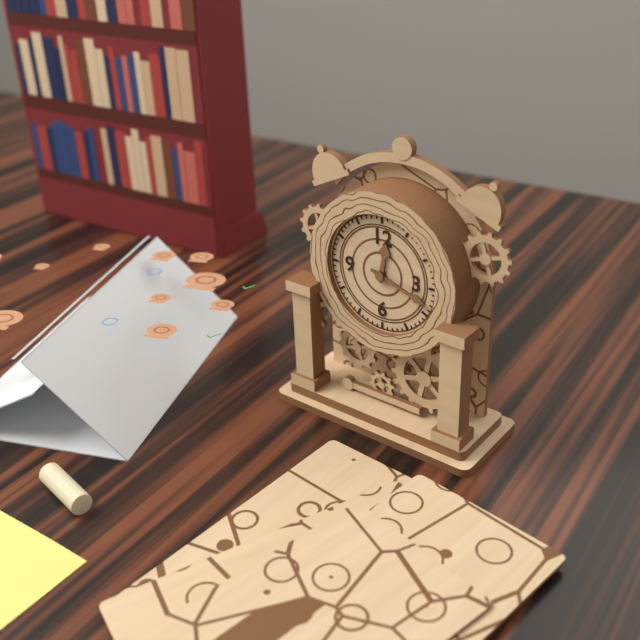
12.18
